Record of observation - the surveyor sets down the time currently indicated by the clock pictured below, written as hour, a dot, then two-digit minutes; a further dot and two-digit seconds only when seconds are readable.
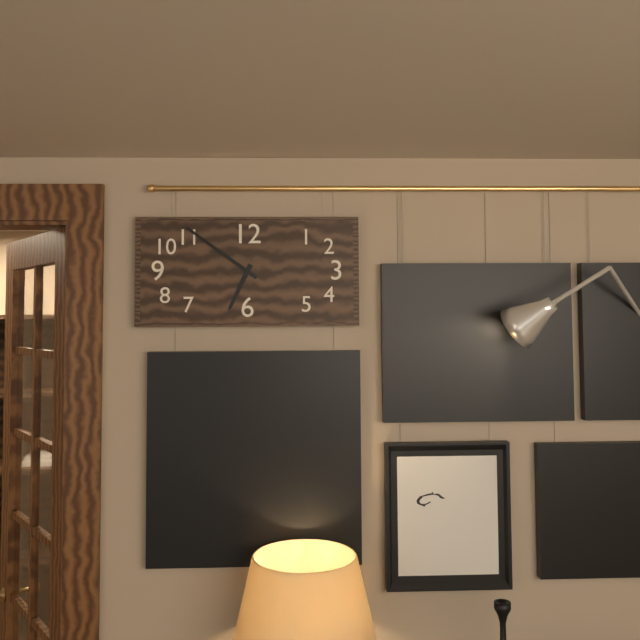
6.51
